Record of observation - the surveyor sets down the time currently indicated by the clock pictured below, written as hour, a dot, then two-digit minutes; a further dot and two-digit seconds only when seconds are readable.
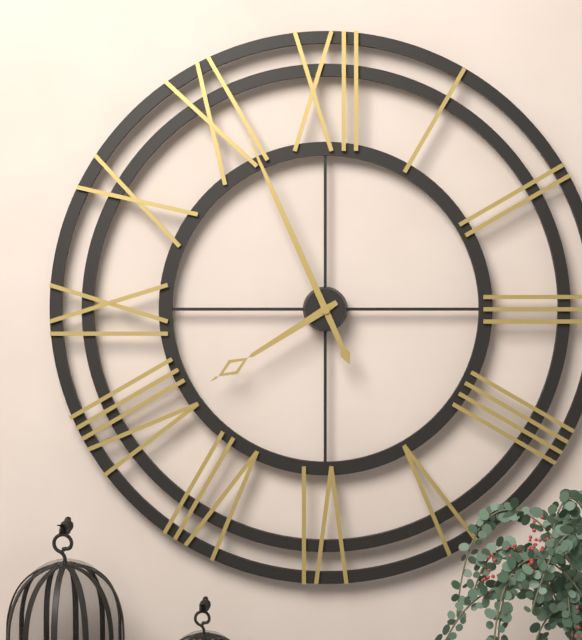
7.56
